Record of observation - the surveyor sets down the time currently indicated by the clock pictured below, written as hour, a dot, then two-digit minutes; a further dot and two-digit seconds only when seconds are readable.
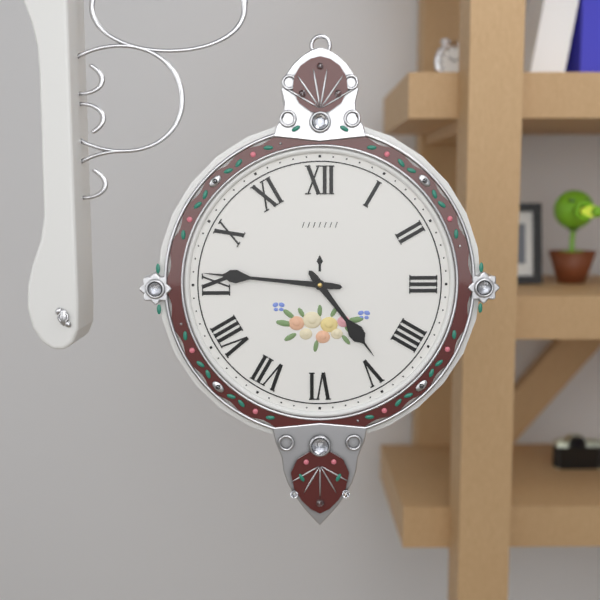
4.46
